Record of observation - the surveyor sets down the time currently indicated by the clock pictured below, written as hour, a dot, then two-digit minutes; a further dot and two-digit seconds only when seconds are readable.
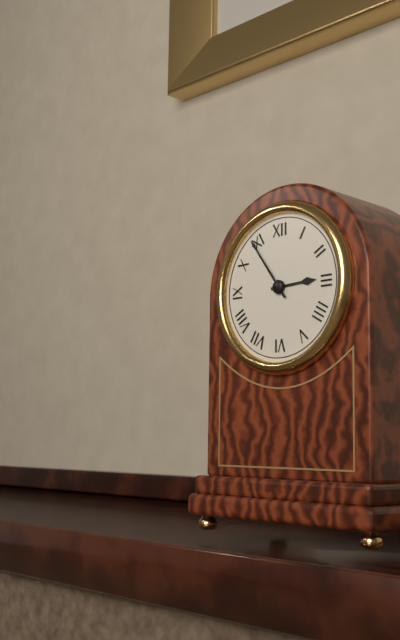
2.54
